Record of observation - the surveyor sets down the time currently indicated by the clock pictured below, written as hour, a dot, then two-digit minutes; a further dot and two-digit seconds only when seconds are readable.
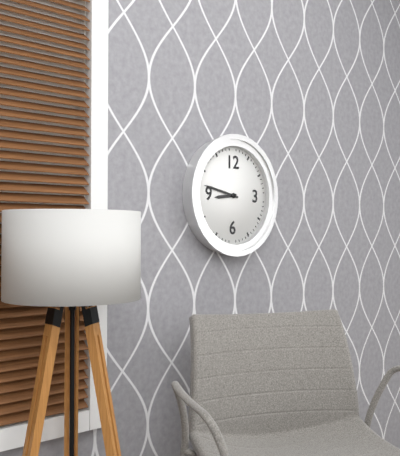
8.47
